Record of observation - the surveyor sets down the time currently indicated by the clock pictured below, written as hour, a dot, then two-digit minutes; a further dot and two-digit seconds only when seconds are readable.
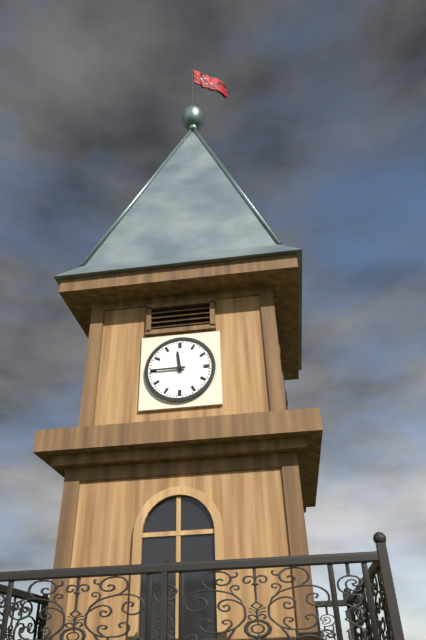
11.45
